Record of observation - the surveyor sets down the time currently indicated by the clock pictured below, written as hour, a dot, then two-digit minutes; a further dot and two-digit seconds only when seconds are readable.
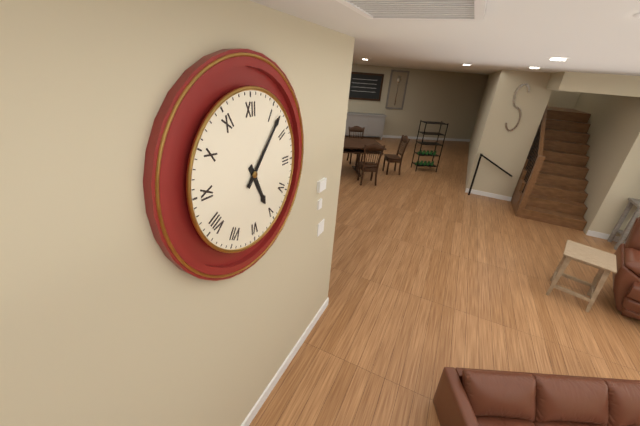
5.07
